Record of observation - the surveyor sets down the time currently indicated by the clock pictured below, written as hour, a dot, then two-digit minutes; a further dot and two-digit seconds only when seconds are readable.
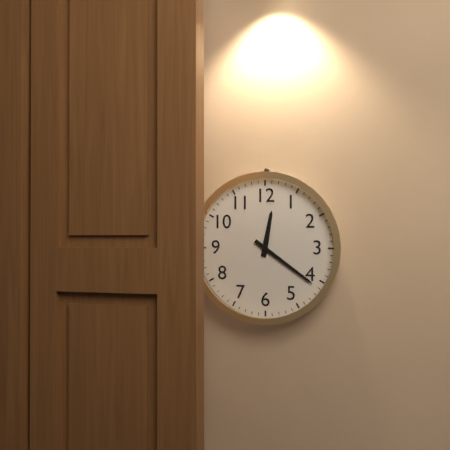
12.21
